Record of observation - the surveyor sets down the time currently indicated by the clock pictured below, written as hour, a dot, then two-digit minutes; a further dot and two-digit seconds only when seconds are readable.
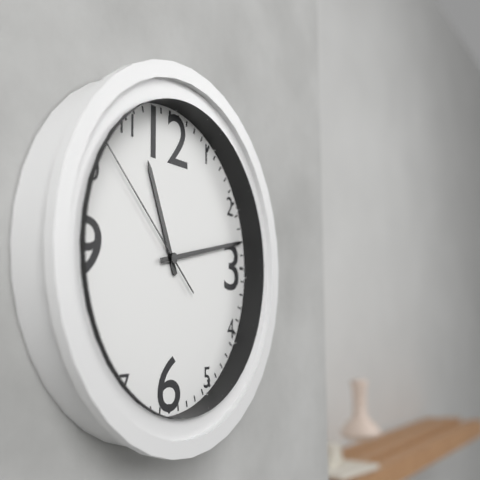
11.13.52
